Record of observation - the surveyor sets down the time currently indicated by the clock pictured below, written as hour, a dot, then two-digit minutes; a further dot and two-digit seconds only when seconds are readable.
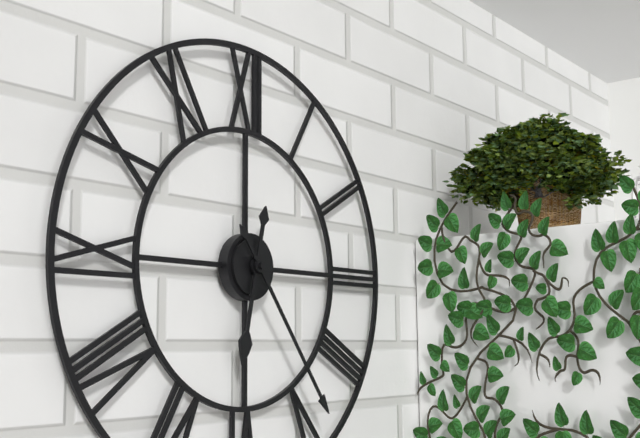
6.24
